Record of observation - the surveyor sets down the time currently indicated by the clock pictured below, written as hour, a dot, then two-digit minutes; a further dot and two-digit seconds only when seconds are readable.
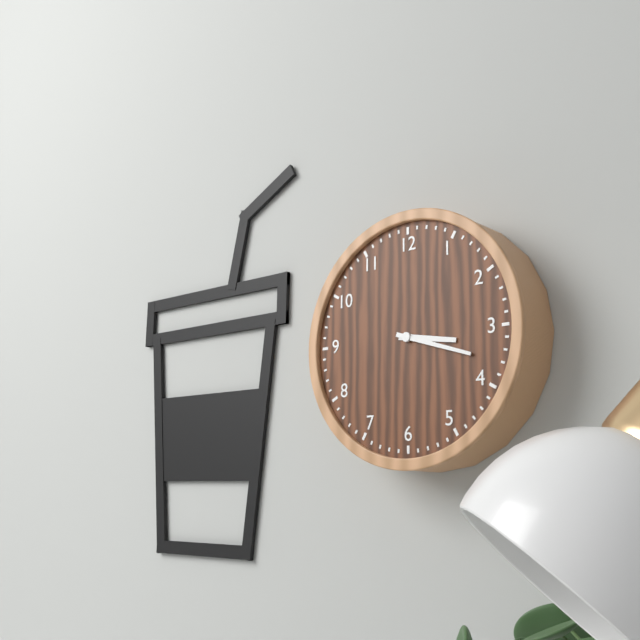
3.18
